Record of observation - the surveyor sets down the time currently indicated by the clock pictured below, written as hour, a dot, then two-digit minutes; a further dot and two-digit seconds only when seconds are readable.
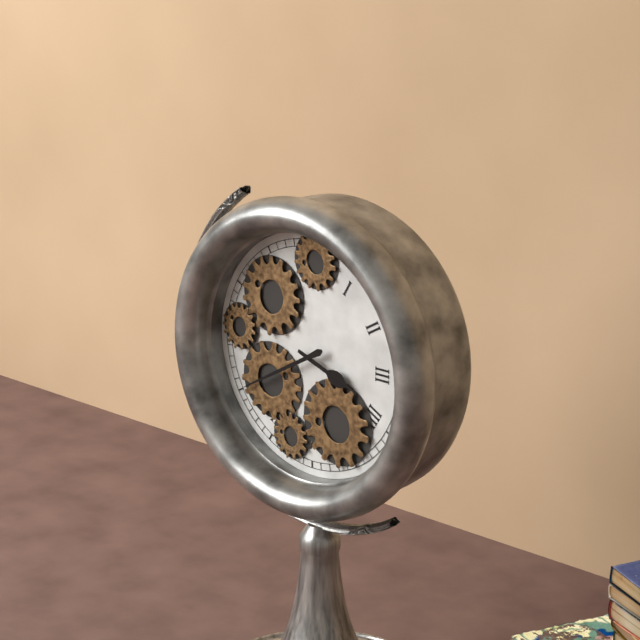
3.40
